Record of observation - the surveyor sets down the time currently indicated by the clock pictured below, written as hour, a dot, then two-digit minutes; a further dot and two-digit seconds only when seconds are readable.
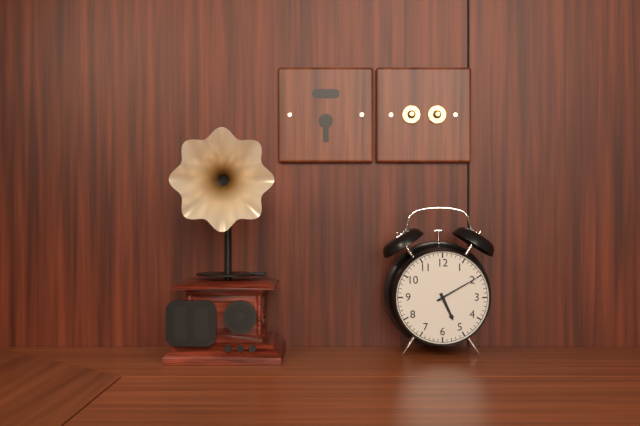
5.10
